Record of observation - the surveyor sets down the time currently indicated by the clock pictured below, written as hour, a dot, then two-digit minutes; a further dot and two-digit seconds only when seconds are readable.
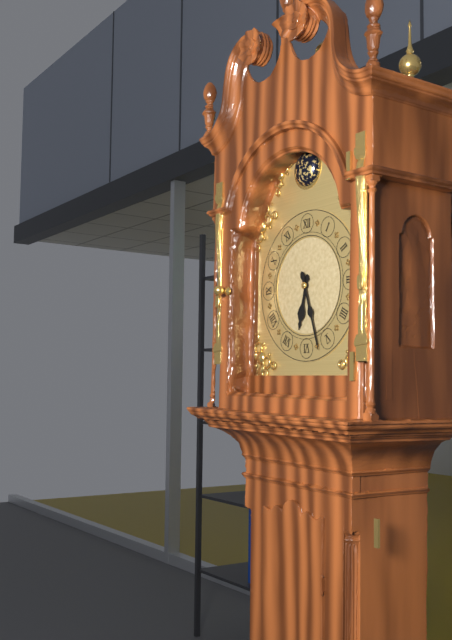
6.27
